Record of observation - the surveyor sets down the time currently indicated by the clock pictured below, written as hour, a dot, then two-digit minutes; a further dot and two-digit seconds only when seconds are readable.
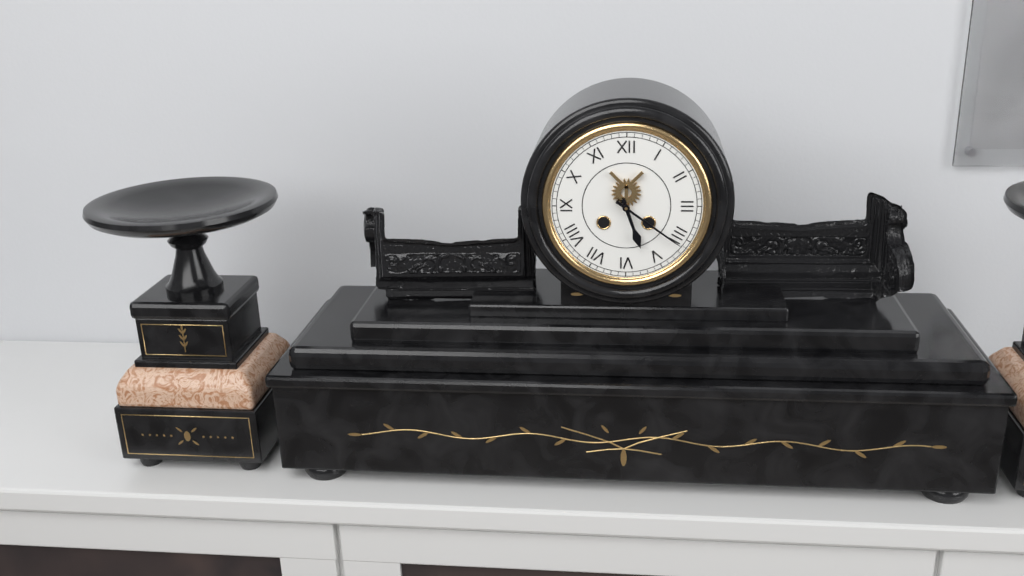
5.21
